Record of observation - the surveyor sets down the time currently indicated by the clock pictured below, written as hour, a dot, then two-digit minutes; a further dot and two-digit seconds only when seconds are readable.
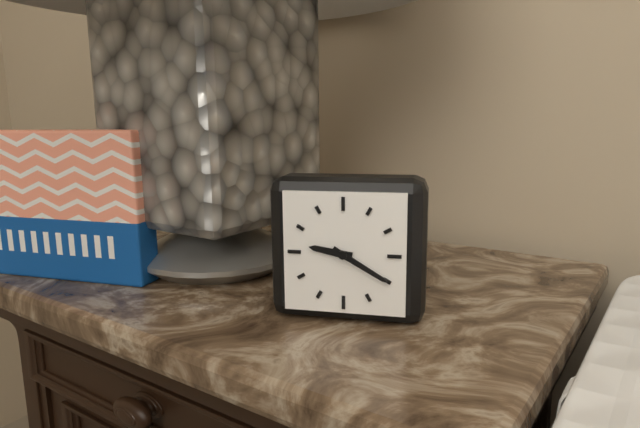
9.20
